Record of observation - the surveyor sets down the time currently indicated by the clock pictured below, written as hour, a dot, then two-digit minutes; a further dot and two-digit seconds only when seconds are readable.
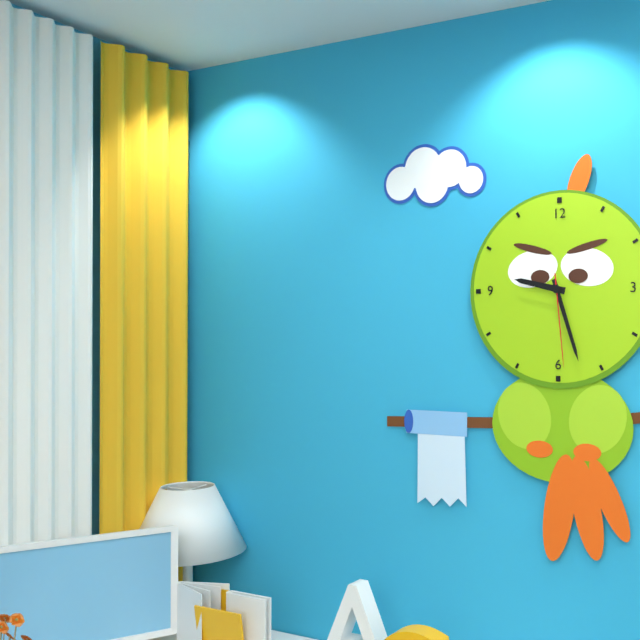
9.27.29
